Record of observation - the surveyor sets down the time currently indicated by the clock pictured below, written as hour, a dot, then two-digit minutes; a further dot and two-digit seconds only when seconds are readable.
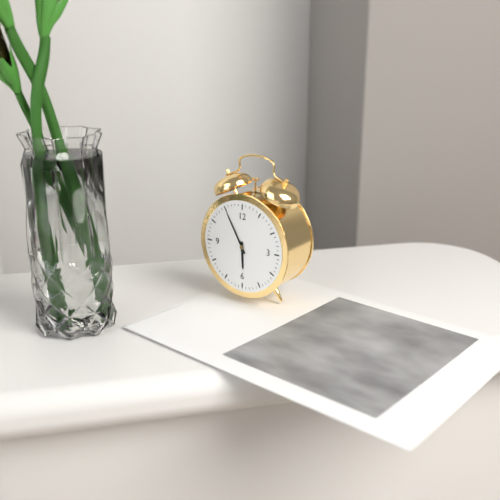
5.55
